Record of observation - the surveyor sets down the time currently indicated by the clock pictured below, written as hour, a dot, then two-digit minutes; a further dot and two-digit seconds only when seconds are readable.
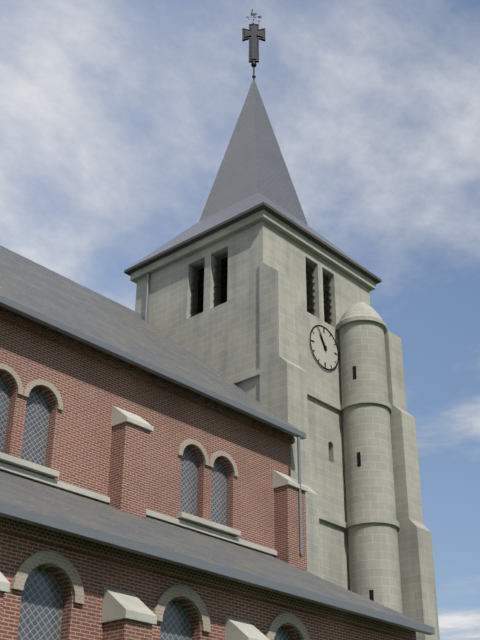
10.55
